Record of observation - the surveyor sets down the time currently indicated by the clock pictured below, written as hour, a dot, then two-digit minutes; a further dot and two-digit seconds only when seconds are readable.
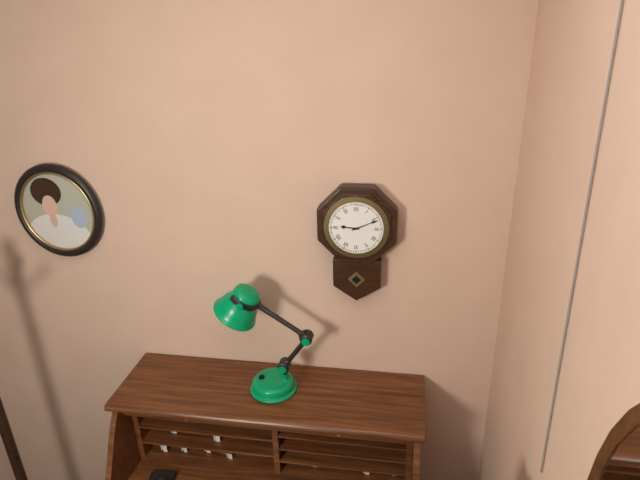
9.11
